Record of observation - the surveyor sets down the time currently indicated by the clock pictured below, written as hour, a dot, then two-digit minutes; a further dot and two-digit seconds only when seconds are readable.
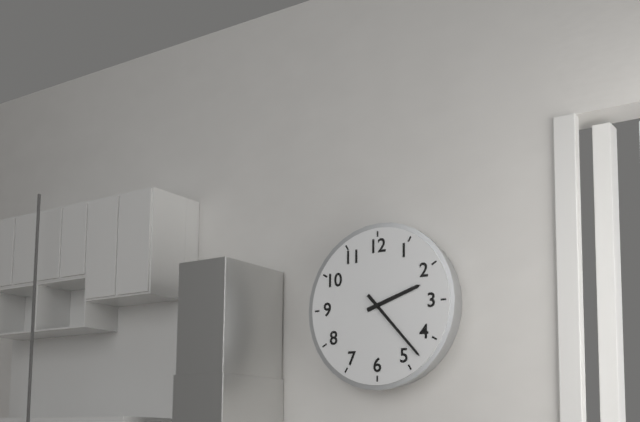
2.23
